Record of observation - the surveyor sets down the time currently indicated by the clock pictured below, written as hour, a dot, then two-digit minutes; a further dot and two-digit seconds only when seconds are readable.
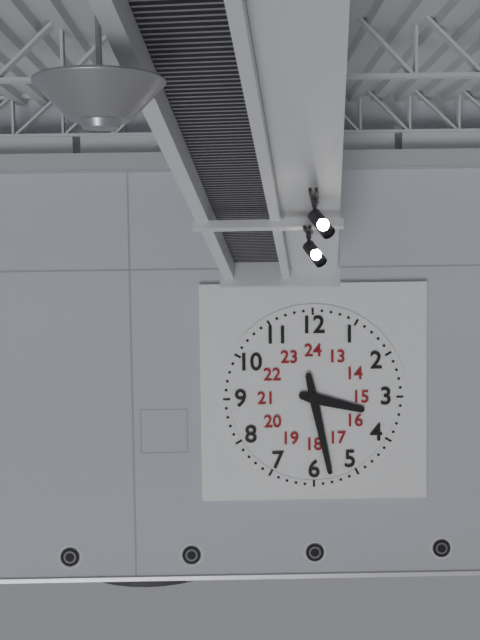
3.28
